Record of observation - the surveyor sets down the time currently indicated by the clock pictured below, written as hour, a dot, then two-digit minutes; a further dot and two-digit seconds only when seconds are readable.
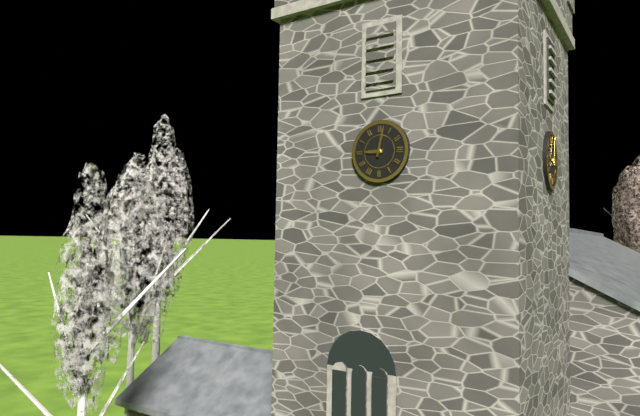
9.02
